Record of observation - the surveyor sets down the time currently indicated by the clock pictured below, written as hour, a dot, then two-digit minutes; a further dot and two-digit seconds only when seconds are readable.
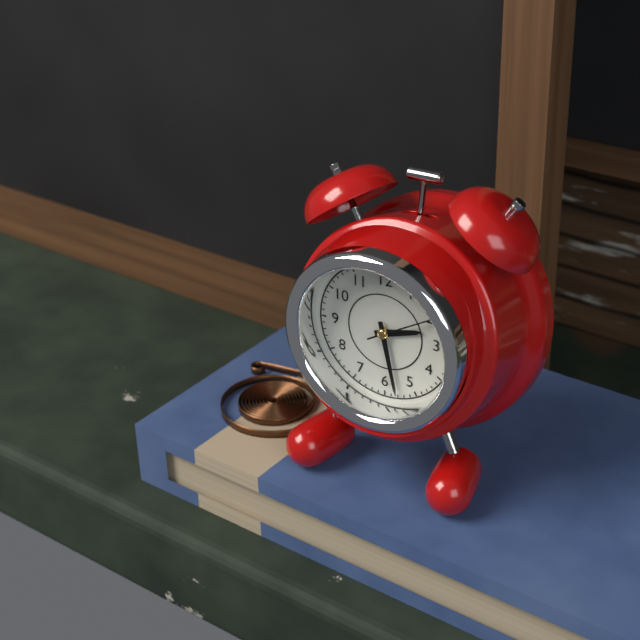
2.28.10
